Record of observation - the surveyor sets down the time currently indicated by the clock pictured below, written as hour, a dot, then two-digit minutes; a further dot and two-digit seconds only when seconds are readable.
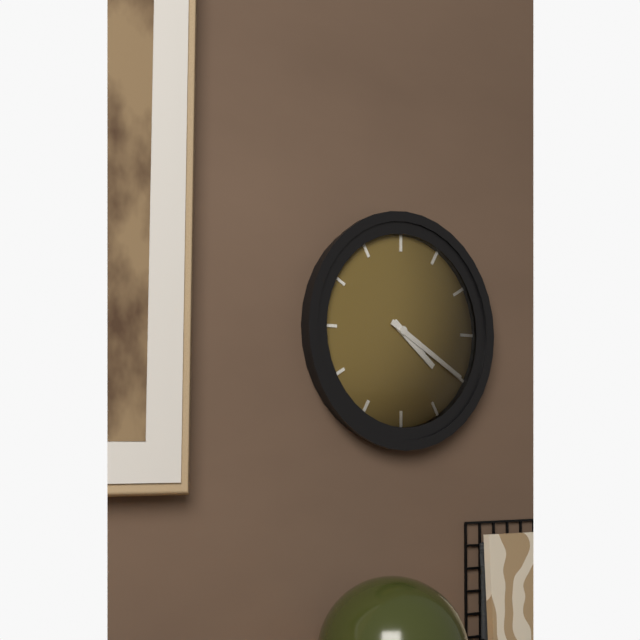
4.20
